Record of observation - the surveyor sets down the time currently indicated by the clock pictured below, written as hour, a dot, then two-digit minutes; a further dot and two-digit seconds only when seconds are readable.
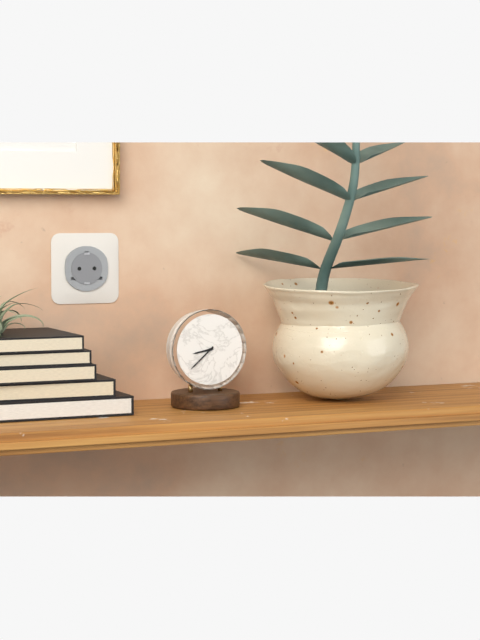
8.38
